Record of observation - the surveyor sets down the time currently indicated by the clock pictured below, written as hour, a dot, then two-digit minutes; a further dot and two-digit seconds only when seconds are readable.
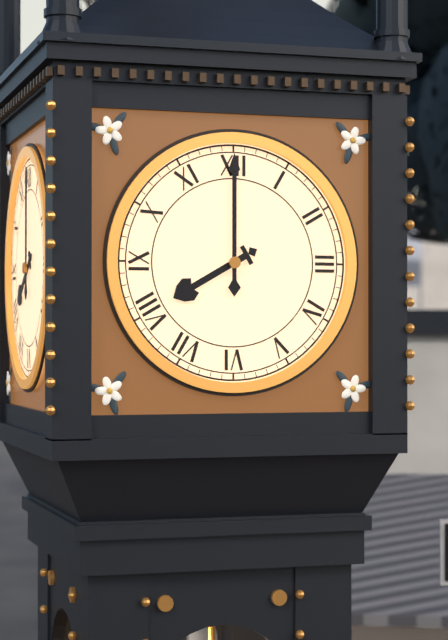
8.00
